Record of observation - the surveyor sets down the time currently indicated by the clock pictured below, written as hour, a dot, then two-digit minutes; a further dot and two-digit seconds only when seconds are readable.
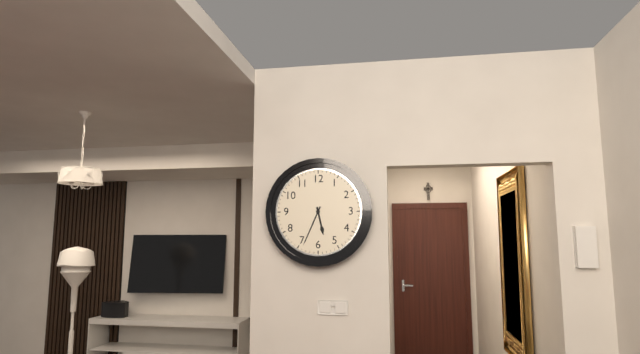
5.34
